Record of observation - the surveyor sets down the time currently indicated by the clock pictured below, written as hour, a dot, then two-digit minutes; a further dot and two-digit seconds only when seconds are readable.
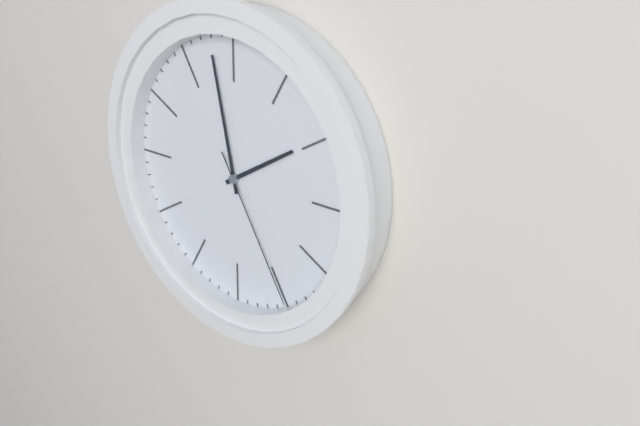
1.58.25
